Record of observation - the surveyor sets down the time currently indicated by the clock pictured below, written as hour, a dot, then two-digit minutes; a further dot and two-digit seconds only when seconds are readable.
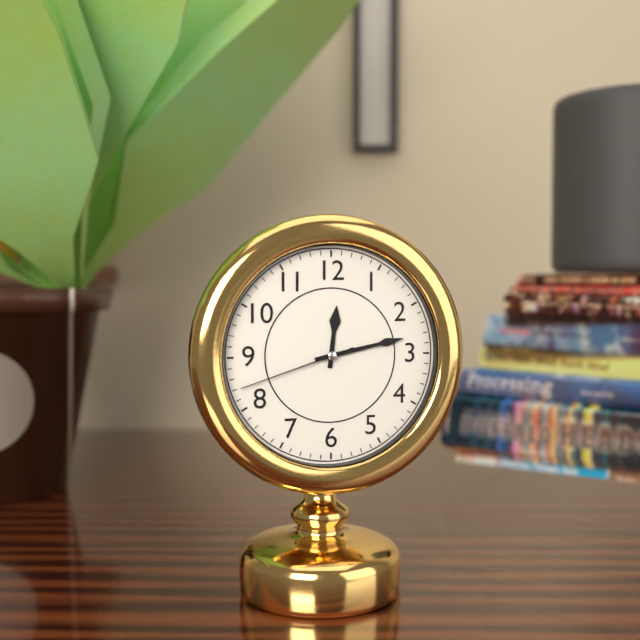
12.13.42
